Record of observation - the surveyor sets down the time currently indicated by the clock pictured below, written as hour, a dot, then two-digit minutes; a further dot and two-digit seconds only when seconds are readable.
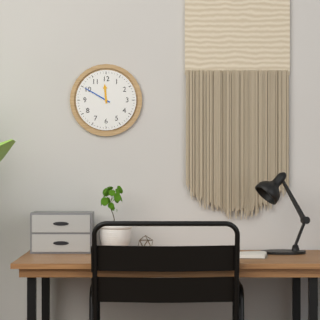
11.50
